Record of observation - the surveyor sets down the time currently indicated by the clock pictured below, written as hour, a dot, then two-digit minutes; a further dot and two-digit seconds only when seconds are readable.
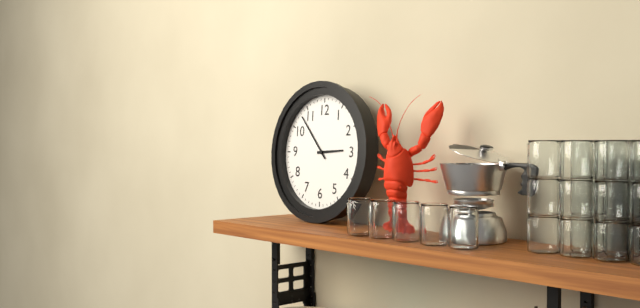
2.53
